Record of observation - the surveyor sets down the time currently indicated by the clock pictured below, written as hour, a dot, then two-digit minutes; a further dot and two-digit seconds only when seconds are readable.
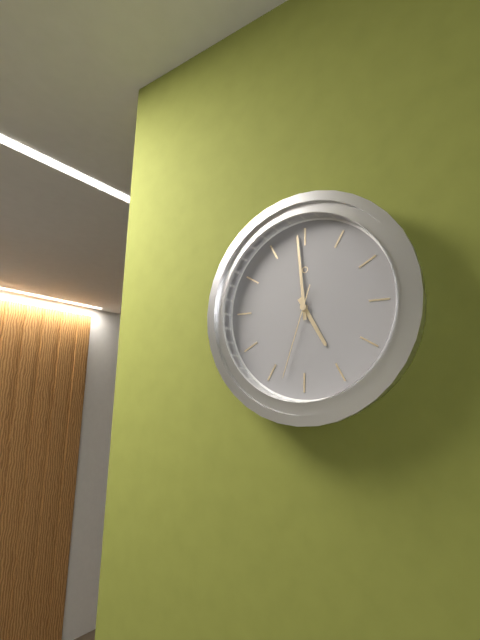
4.59.33
